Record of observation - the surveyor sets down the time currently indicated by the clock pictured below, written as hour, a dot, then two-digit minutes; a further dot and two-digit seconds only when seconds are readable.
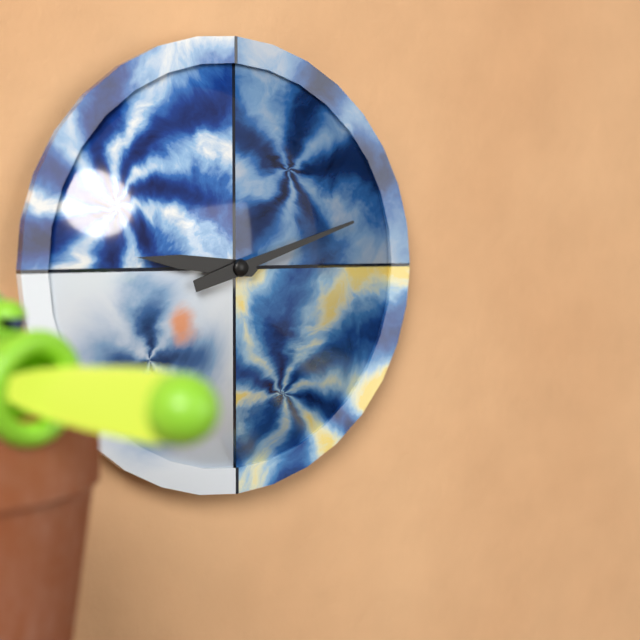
9.12
